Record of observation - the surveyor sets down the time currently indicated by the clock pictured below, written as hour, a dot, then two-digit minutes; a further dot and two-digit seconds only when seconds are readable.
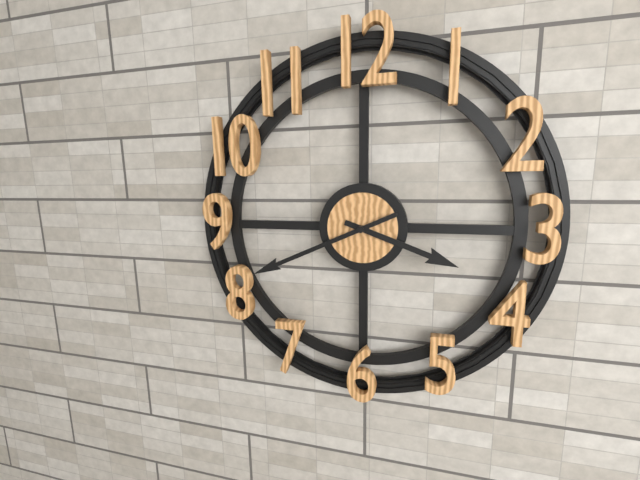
3.41
